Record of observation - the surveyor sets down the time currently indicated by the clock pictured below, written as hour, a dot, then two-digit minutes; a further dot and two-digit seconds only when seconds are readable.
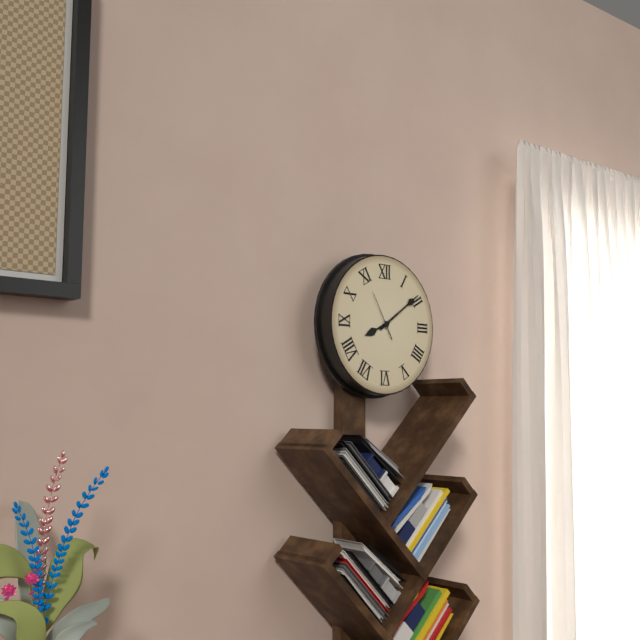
8.09
